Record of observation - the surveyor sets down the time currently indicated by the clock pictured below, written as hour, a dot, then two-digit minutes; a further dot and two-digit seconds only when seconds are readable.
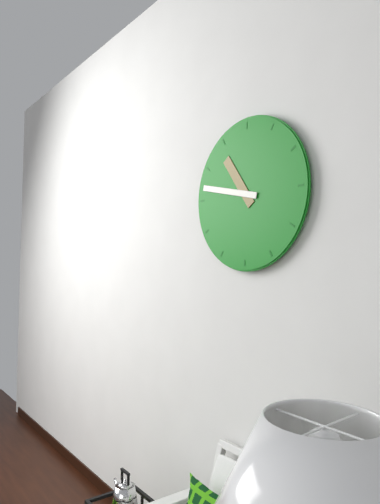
10.47
